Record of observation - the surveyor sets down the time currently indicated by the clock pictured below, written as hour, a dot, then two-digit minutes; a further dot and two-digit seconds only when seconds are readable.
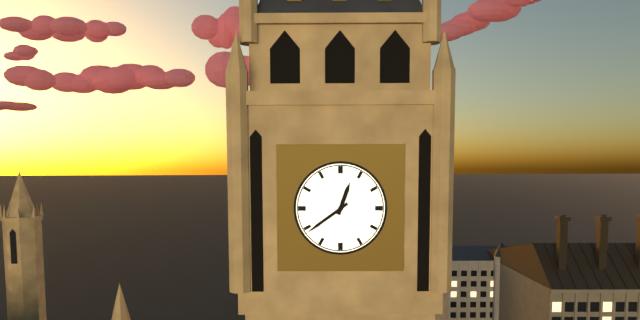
12.39
